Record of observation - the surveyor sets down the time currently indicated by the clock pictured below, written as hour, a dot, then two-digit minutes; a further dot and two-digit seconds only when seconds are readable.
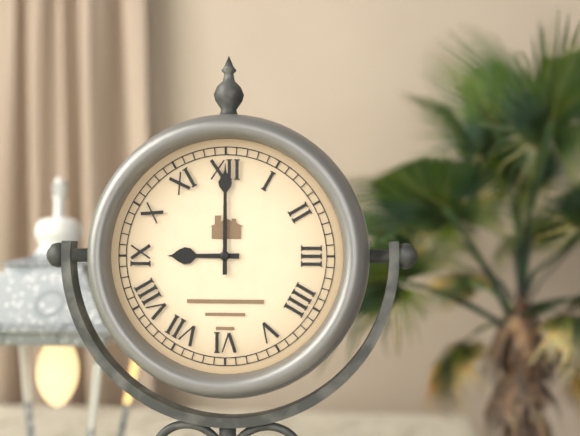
9.00
